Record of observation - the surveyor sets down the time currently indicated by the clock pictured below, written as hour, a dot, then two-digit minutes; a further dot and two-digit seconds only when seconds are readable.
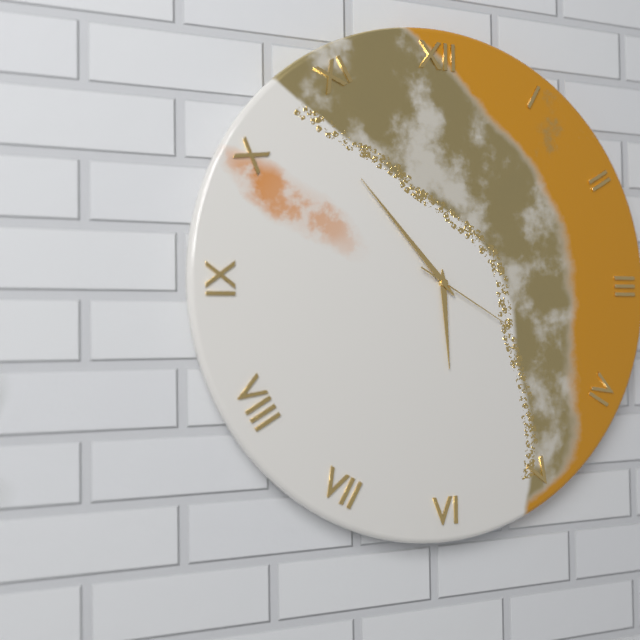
5.53.20
